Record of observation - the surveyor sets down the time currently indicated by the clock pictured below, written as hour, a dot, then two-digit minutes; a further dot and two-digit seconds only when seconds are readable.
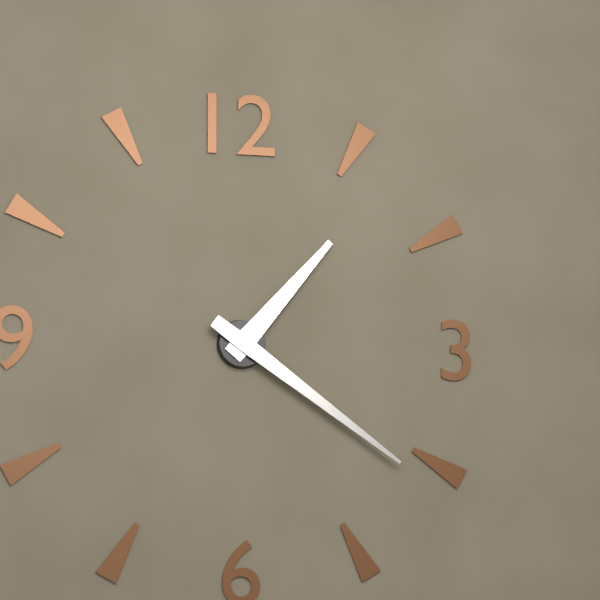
1.21
